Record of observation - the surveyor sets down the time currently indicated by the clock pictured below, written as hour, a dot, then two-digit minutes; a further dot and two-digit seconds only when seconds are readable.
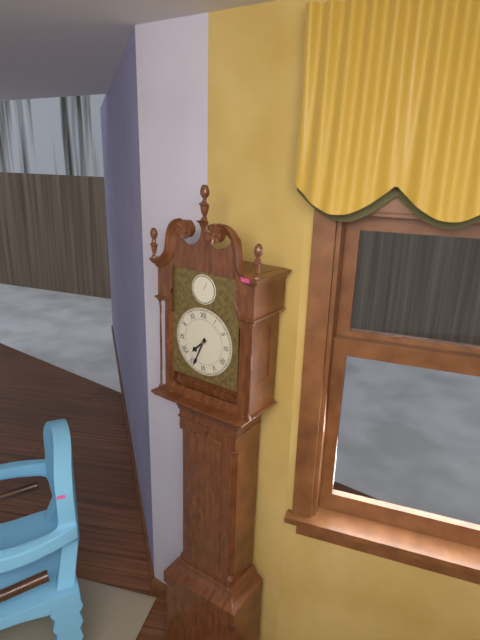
7.34
